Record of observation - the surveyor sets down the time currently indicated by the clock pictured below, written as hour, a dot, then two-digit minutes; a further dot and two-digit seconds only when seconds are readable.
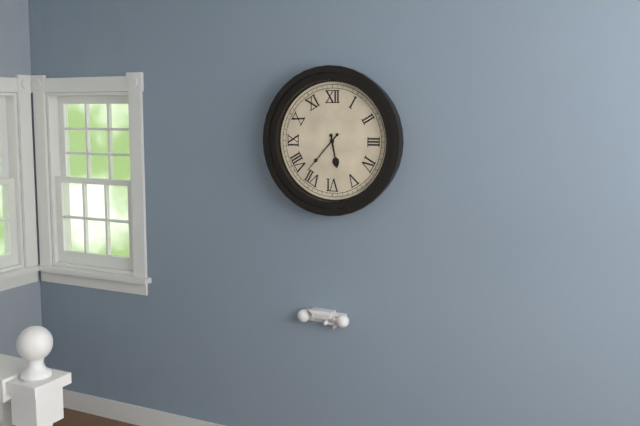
5.37
